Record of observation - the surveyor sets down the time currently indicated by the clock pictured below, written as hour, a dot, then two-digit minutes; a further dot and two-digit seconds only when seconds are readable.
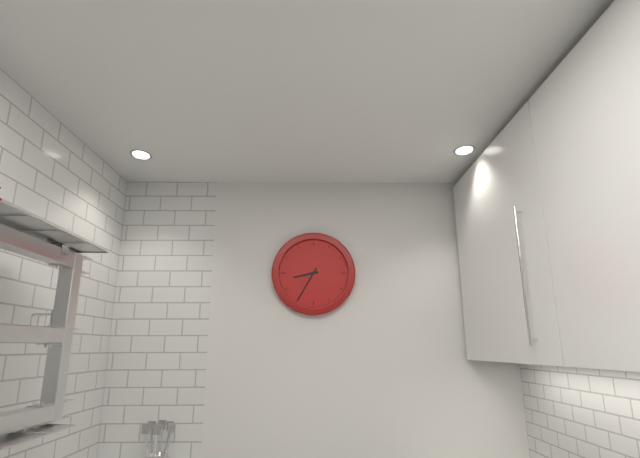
8.35
